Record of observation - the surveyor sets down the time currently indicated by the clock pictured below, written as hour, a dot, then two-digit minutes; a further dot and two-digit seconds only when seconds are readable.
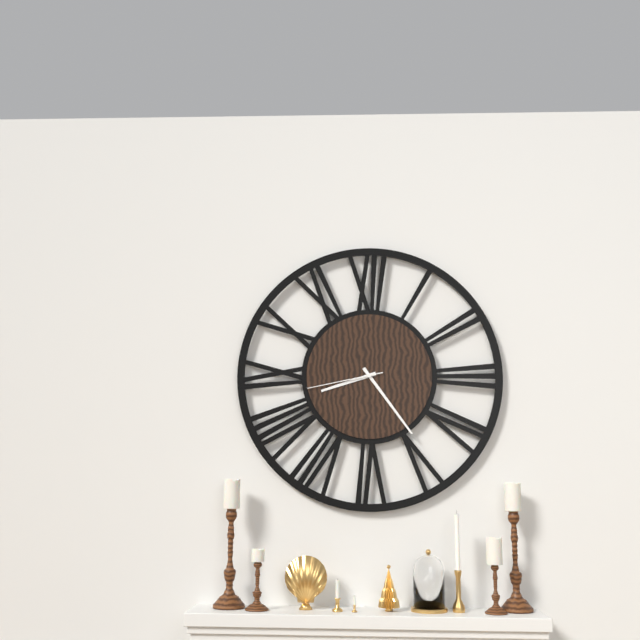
8.24.43
